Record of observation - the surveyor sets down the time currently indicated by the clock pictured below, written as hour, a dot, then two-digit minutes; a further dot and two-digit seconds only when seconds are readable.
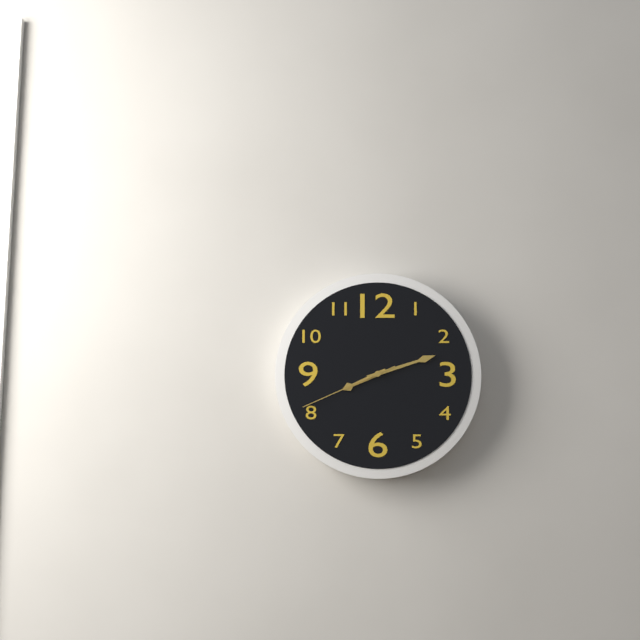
8.12.41
